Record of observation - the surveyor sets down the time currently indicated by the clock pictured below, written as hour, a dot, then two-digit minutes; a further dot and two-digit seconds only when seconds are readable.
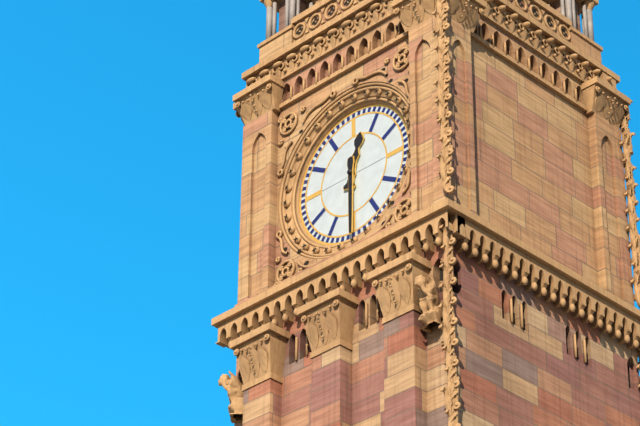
12.30
